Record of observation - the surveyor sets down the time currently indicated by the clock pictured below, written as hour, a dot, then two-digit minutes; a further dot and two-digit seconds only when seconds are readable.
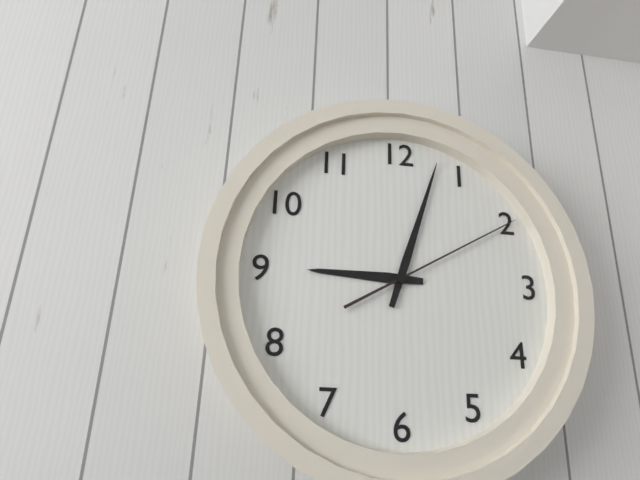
9.03.10
